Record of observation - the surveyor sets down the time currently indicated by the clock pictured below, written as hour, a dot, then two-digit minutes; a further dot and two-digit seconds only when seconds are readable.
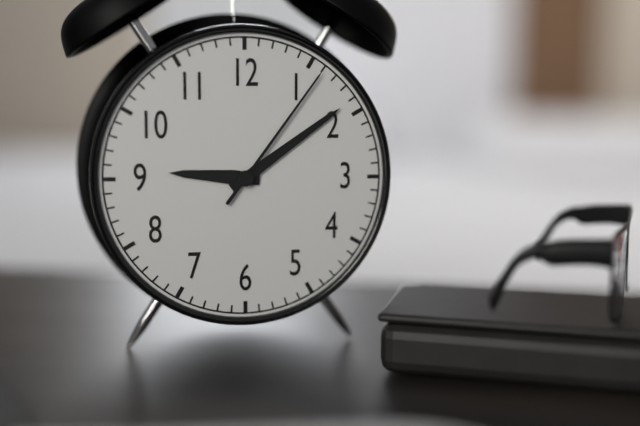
9.09.06
